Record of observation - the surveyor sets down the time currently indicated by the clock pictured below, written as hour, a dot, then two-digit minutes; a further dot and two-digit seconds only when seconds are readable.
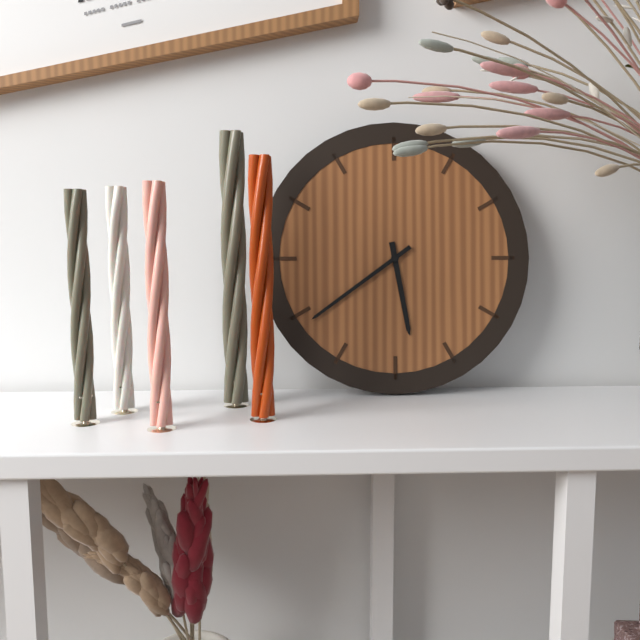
5.39
